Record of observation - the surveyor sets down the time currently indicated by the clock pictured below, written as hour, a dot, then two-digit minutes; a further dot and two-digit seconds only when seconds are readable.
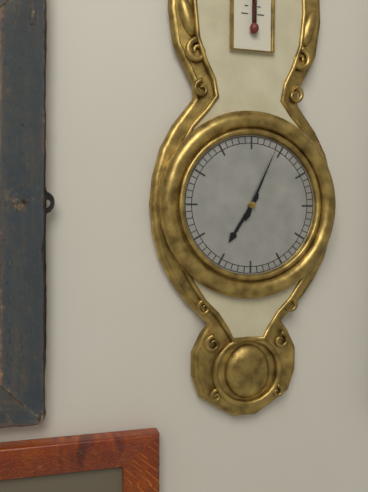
7.04
